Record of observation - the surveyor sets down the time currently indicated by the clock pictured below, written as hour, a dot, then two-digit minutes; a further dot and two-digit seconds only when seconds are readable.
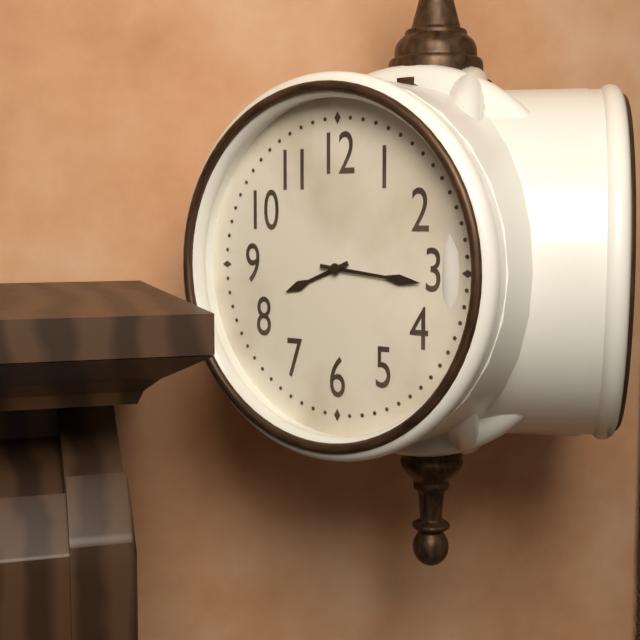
8.16
